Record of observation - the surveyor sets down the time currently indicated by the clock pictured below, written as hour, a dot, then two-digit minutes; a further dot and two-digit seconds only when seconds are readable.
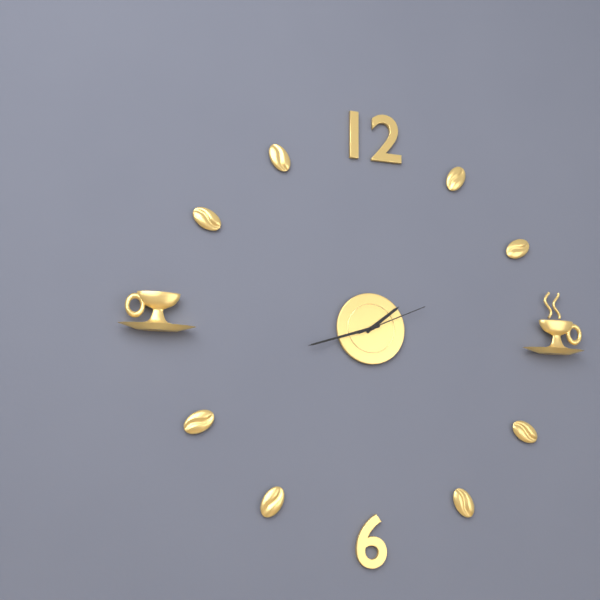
1.42.11
